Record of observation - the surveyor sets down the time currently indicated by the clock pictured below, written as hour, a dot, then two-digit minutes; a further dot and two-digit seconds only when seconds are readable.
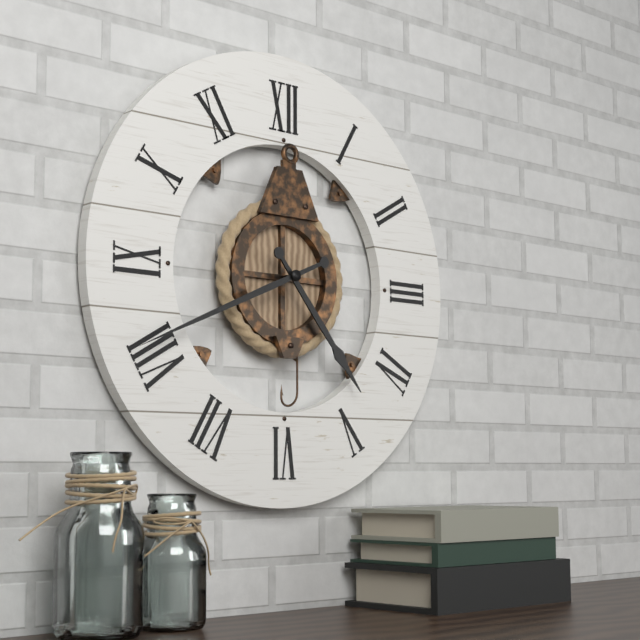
4.41
